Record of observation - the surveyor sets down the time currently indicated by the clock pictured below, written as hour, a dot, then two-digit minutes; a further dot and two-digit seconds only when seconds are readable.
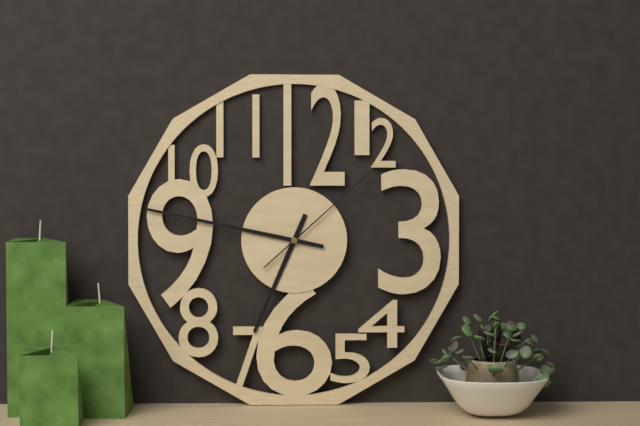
6.47.08
